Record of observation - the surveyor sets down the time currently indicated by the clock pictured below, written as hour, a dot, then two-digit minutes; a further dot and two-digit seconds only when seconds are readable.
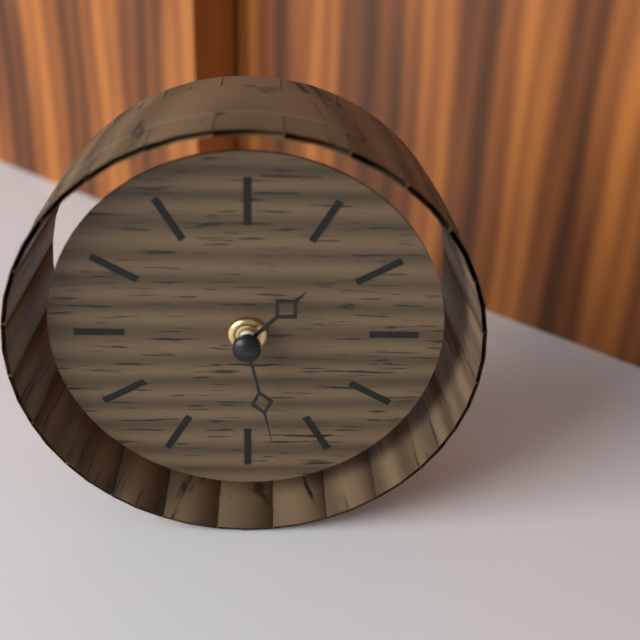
1.28
